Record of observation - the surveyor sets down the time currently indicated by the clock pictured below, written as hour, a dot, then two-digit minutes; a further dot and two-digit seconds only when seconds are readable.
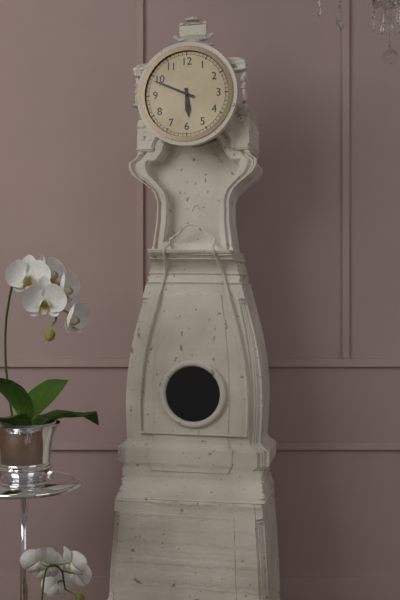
5.49
